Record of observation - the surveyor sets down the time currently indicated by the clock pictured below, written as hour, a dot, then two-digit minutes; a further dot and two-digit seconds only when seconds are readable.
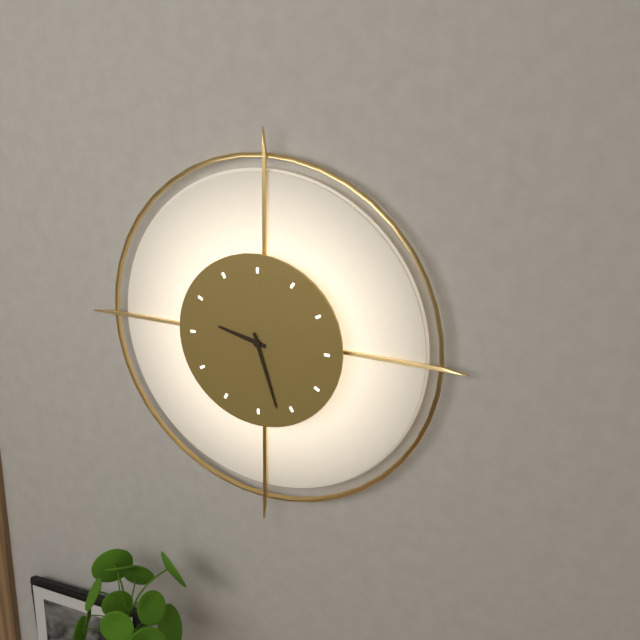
9.27
